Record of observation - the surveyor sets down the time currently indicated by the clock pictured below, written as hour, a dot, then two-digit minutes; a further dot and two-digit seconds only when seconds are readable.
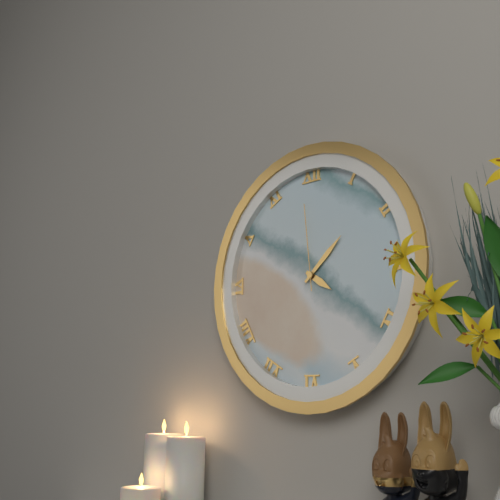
4.08.59
